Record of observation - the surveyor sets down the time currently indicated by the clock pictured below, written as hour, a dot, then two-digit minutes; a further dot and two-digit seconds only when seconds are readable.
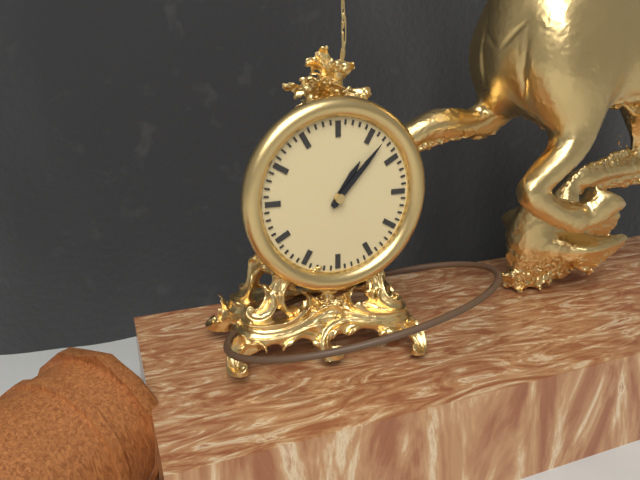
1.07
